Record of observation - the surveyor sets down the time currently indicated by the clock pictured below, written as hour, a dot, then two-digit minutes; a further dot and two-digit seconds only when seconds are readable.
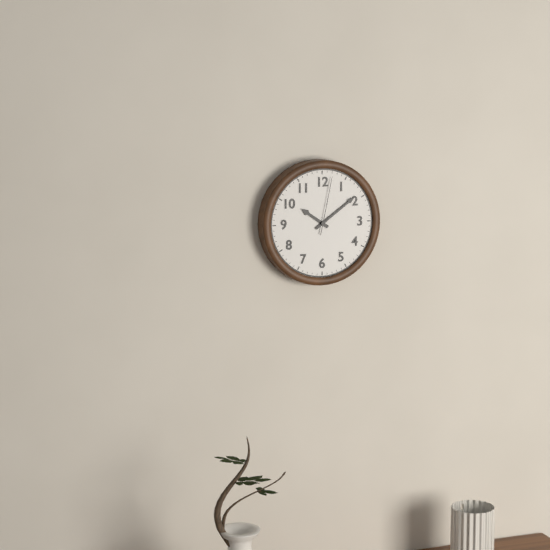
10.09.02
